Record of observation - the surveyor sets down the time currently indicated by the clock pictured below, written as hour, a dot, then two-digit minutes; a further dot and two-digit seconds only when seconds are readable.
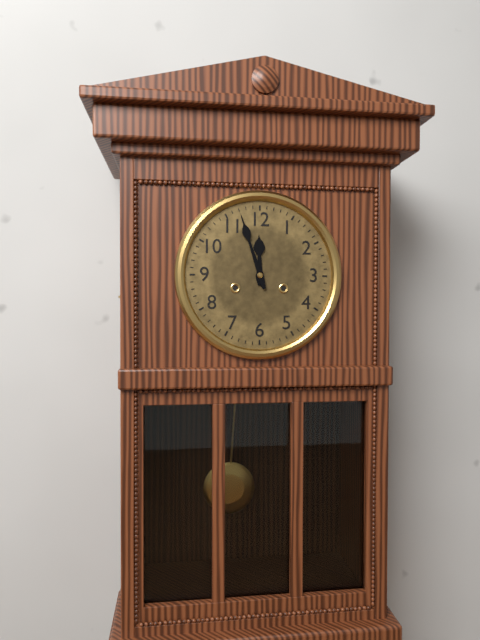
11.57
